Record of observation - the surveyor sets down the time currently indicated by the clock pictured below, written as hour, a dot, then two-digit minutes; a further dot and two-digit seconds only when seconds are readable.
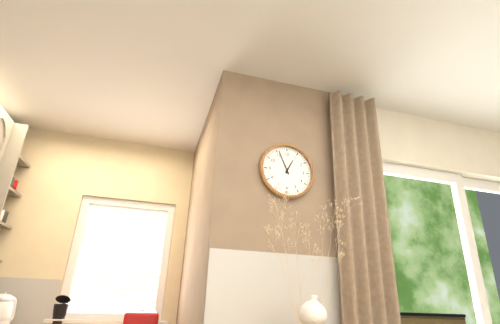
12.56
